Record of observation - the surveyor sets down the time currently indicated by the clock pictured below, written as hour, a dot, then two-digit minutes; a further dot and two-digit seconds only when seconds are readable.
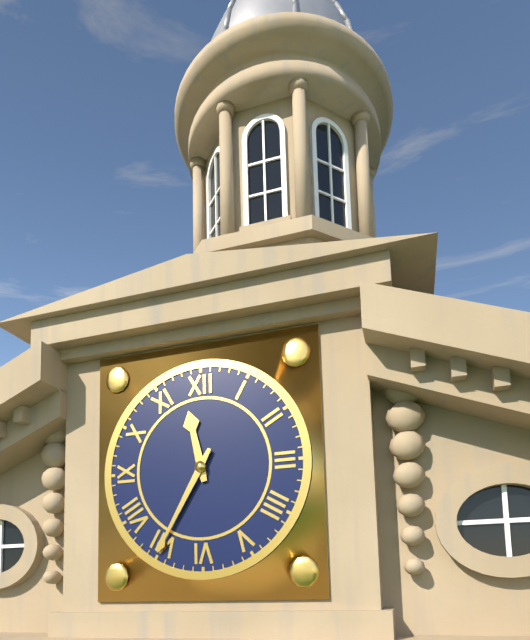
11.35
